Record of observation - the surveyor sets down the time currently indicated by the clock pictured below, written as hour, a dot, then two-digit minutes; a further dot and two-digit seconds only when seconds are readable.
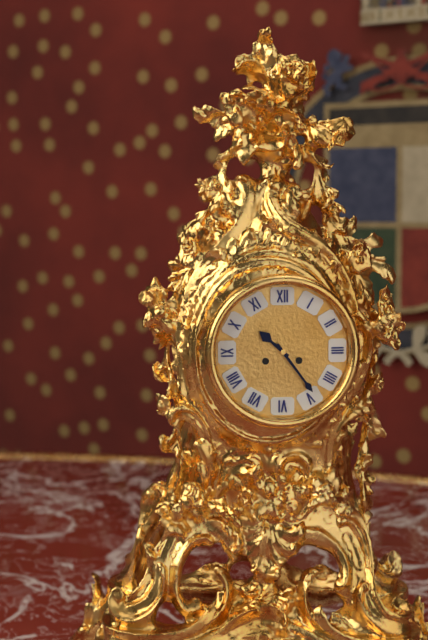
10.24
